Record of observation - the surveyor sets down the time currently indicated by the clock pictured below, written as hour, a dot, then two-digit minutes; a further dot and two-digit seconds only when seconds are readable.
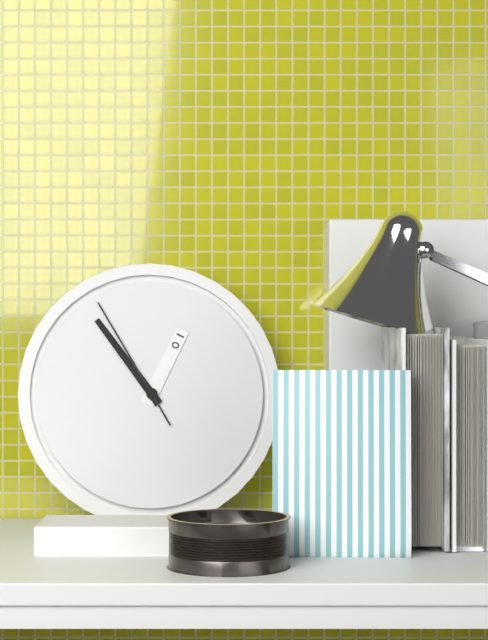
12.54.55
